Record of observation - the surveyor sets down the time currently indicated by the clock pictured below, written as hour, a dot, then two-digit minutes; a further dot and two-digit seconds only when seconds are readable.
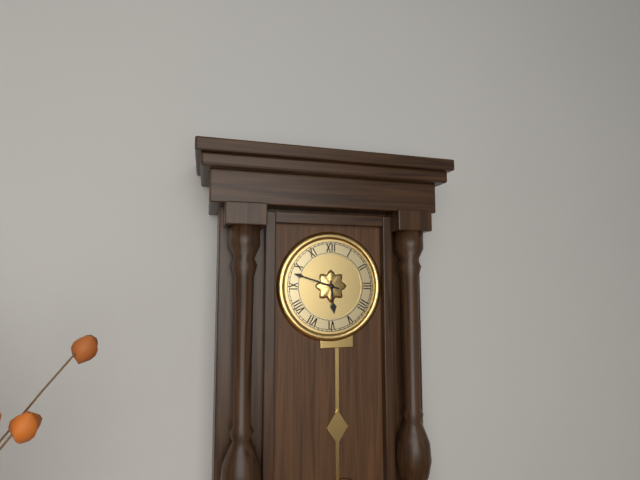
5.48
